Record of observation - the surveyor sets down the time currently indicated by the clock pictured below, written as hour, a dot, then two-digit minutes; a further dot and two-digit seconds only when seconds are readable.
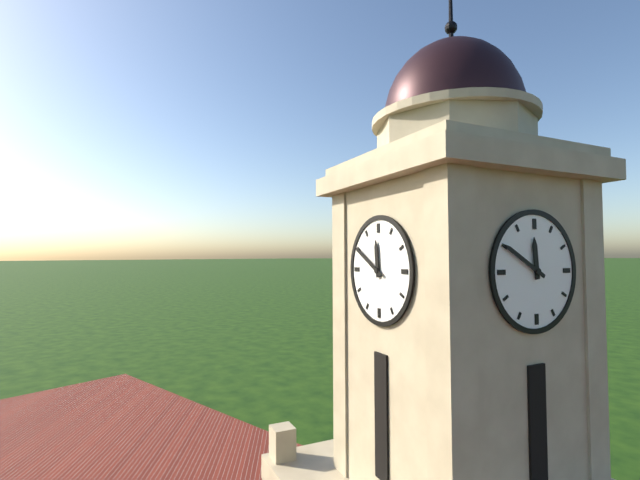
11.50
